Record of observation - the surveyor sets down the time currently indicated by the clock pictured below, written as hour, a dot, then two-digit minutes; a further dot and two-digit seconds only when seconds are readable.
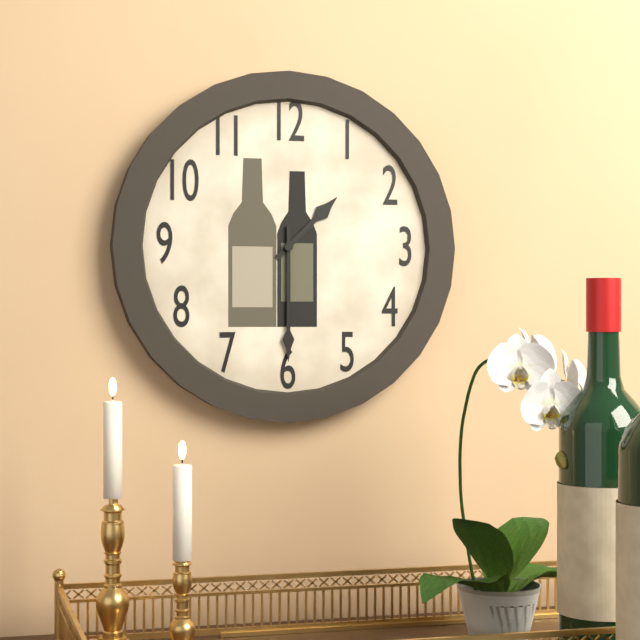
1.30
